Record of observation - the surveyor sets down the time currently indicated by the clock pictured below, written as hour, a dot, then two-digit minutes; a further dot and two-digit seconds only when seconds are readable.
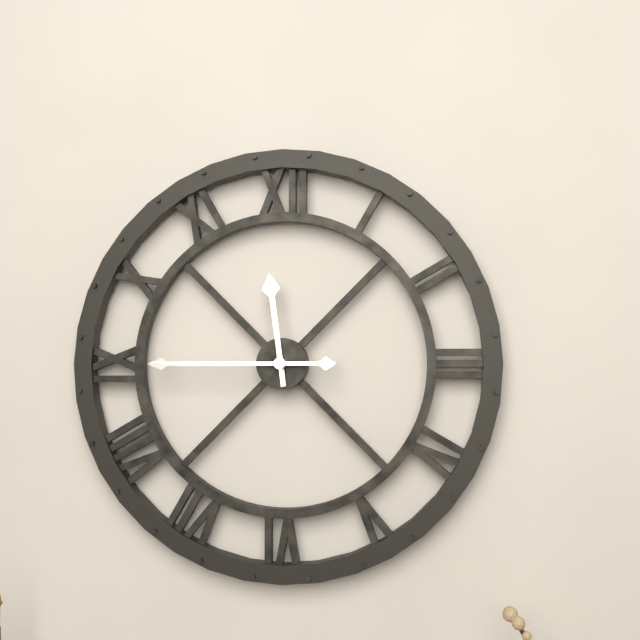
11.45
